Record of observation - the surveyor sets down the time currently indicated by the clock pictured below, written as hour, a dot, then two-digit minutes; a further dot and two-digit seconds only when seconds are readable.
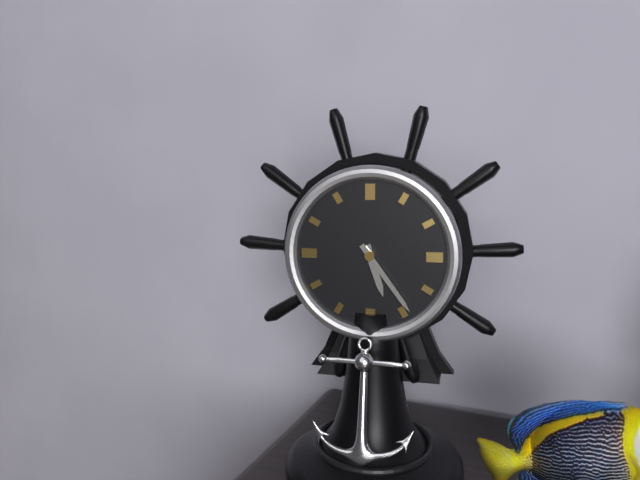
5.24
